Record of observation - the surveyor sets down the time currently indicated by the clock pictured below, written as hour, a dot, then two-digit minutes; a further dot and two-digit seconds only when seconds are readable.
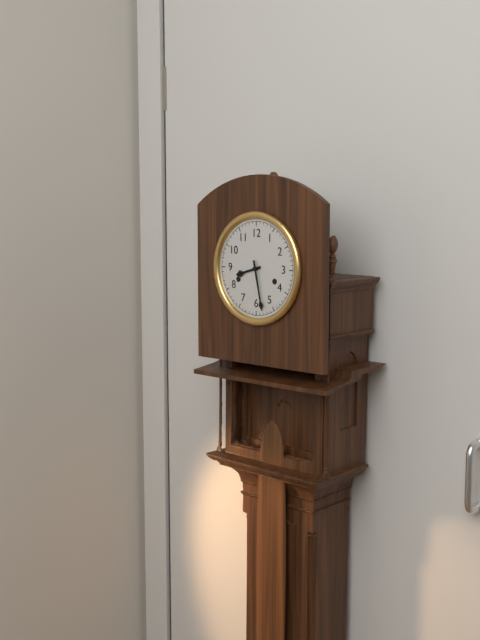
8.28
